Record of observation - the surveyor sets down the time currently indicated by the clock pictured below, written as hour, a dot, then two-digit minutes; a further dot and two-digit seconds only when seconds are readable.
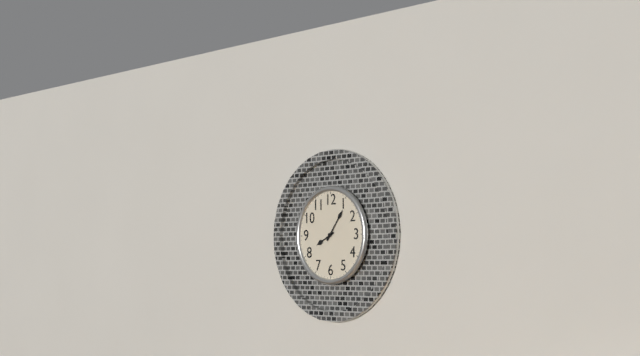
8.06
